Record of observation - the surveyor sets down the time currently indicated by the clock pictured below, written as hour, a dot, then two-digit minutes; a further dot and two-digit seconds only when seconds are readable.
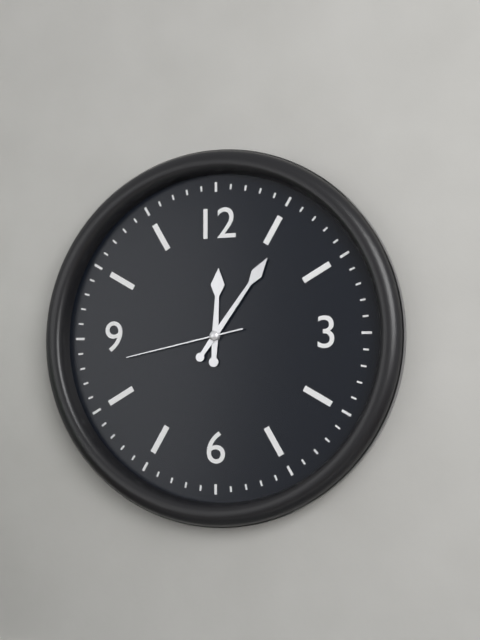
12.06.43
